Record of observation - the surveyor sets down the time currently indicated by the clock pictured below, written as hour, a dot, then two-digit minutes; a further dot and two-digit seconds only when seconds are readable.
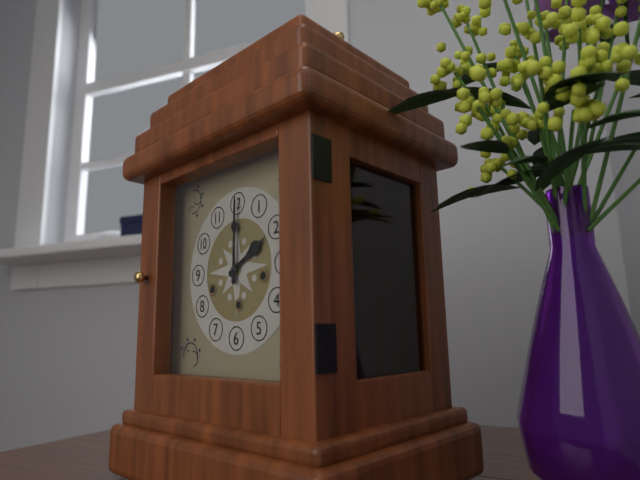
2.00
